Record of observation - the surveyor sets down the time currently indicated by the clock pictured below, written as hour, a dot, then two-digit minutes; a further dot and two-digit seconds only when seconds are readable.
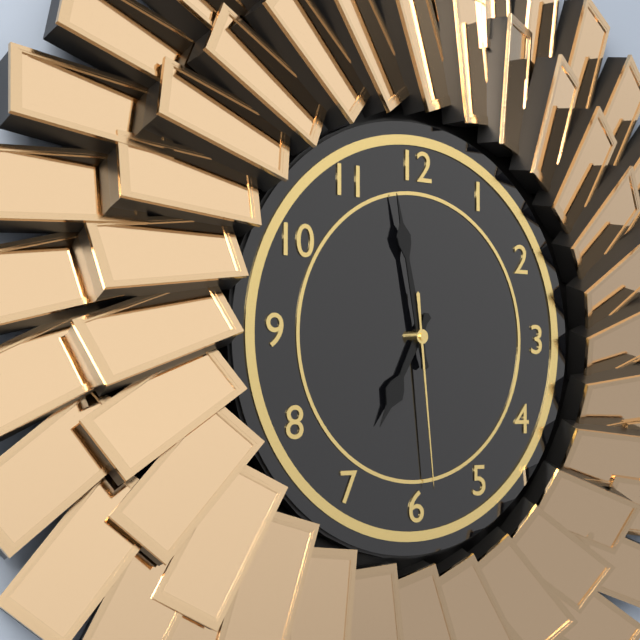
6.58.29
